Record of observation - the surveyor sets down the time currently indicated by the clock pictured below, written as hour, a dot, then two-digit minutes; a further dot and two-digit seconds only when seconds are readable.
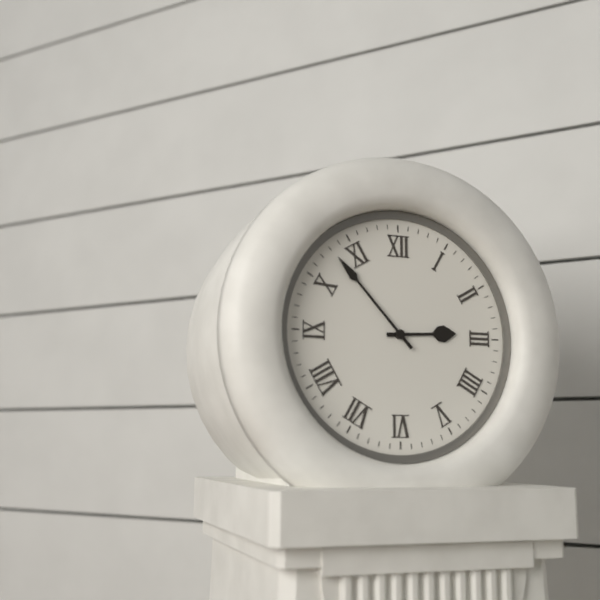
2.53
